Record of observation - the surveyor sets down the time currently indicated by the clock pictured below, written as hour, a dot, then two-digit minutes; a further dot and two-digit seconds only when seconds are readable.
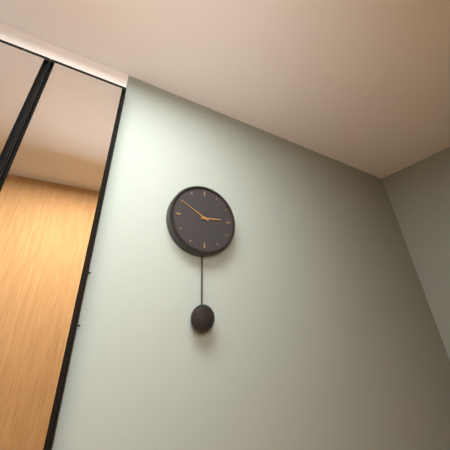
2.50
